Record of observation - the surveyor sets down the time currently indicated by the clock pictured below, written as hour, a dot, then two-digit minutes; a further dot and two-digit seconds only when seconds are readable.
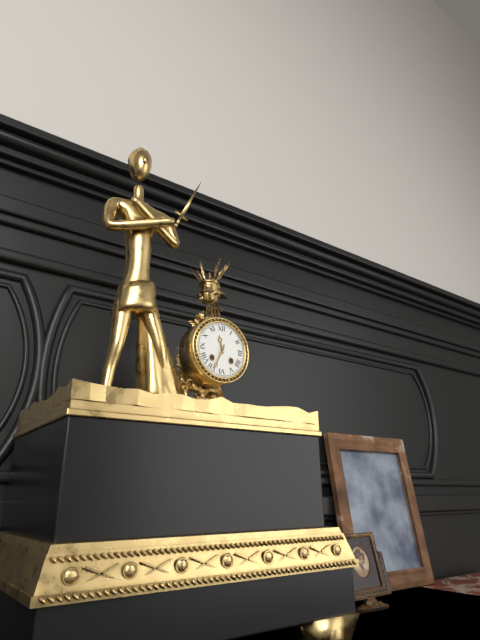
11.34
